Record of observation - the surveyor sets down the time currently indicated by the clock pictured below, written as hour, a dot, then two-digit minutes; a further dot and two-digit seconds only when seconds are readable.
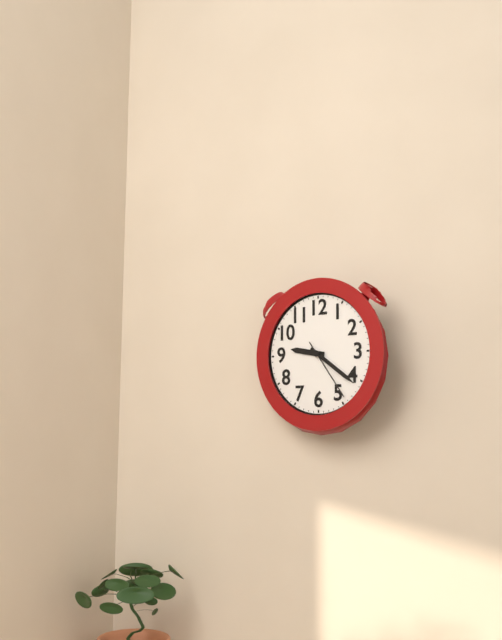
9.21.24
